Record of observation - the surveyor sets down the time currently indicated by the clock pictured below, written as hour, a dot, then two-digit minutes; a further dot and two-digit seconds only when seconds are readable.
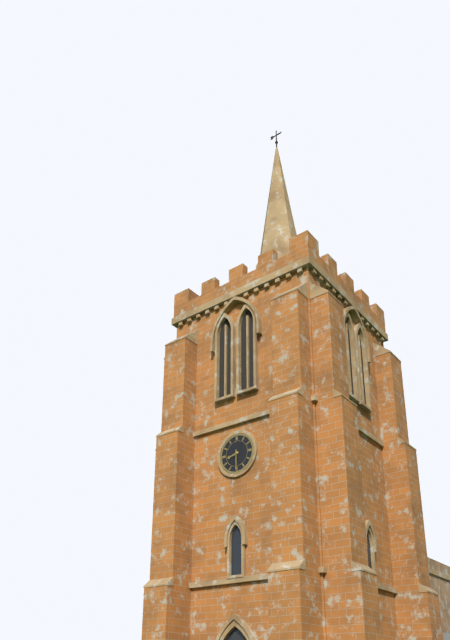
8.30
